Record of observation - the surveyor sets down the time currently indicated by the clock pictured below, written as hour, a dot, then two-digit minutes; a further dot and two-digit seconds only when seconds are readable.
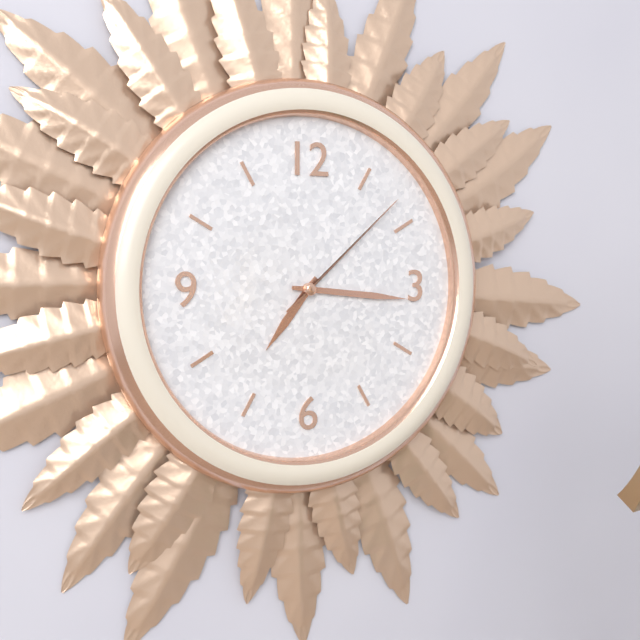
7.16.08
